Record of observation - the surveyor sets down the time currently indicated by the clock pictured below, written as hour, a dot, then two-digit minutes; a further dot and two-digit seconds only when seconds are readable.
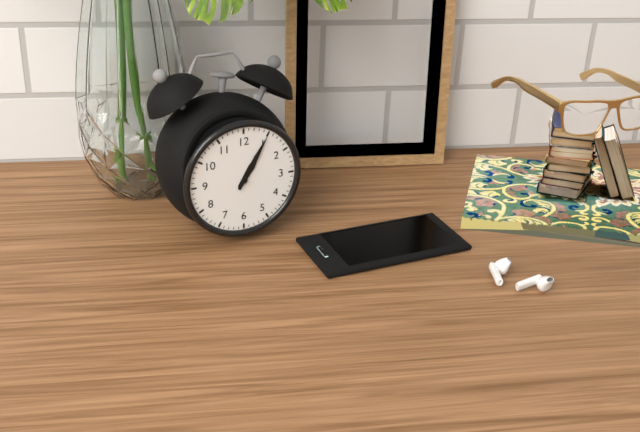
1.05
